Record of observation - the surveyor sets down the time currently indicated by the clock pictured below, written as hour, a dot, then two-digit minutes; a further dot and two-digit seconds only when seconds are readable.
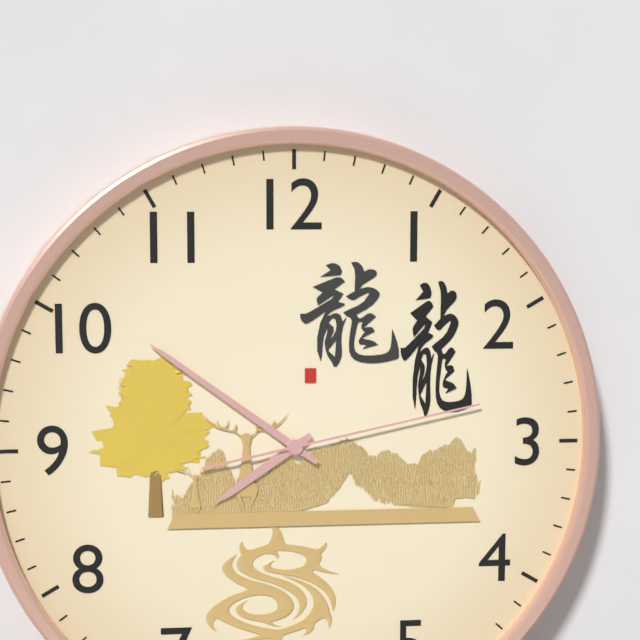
7.51.13
